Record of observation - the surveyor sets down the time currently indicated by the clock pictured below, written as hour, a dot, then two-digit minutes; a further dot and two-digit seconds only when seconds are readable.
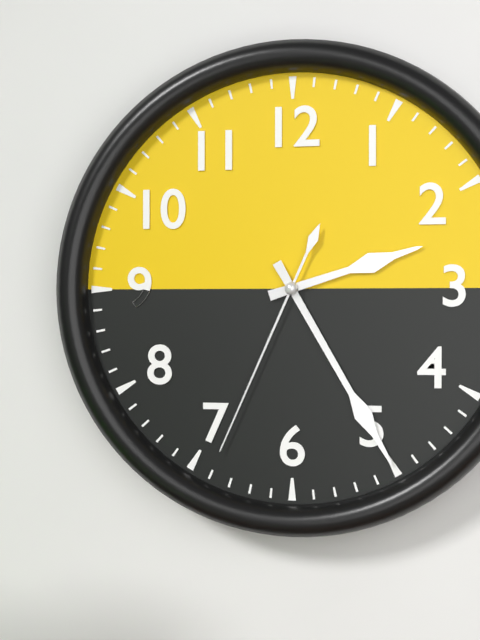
2.25.34
